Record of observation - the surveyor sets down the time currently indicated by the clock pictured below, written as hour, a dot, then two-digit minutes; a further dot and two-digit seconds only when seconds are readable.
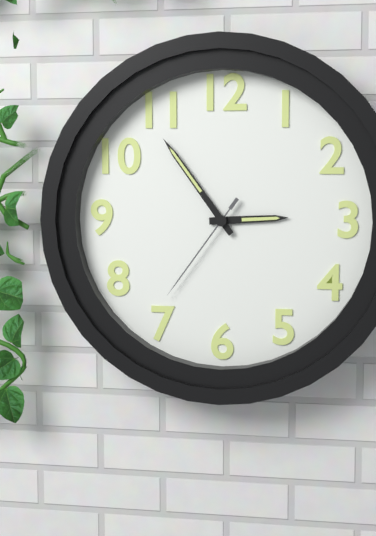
2.54.36
